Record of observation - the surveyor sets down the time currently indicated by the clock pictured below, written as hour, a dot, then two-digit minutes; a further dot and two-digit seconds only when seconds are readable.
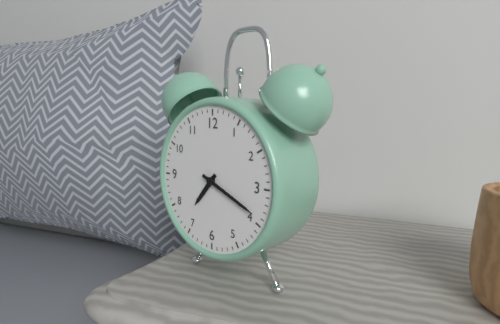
7.19
